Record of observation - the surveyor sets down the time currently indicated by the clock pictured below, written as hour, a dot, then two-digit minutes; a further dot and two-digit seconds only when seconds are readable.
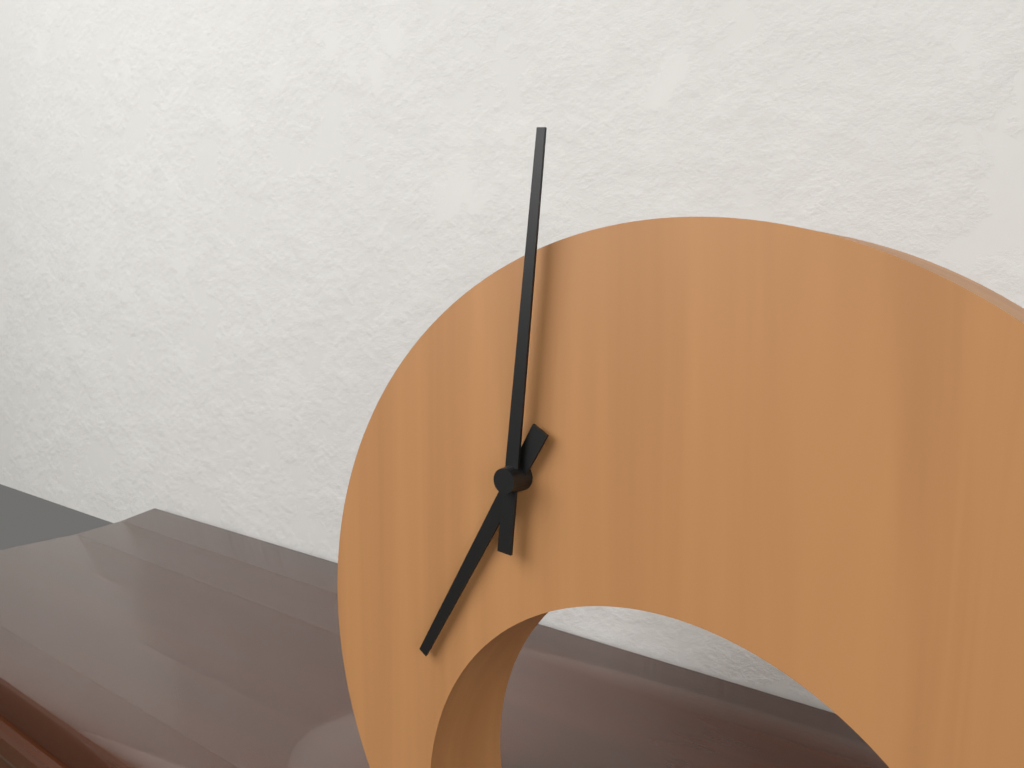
7.01
